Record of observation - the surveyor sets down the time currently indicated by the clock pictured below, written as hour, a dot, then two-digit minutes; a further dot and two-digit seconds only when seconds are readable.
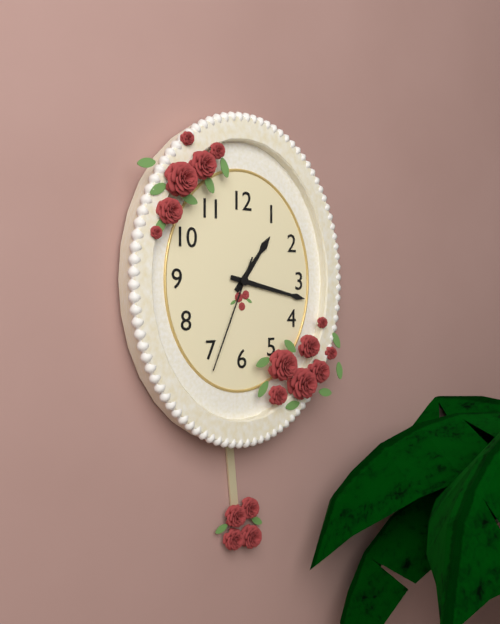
1.17.34
